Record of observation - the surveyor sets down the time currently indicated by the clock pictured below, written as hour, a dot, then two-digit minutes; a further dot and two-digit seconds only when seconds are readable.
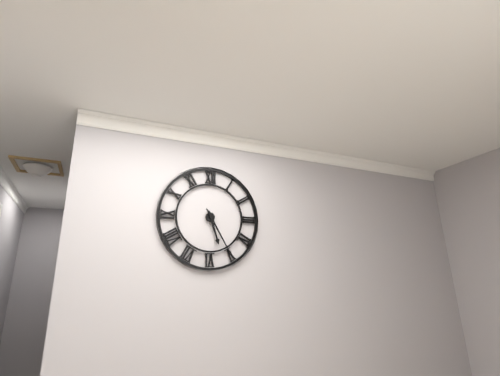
5.25
